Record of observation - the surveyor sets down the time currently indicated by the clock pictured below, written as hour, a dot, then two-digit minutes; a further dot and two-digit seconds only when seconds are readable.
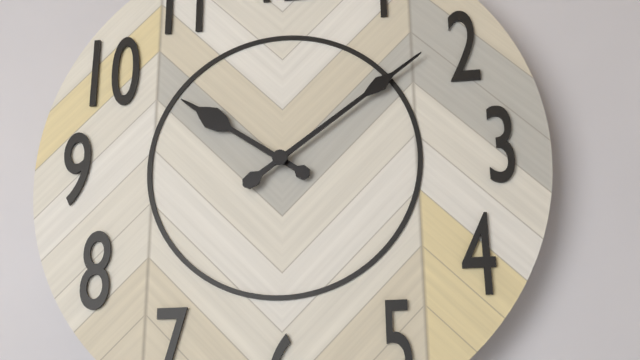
10.09
